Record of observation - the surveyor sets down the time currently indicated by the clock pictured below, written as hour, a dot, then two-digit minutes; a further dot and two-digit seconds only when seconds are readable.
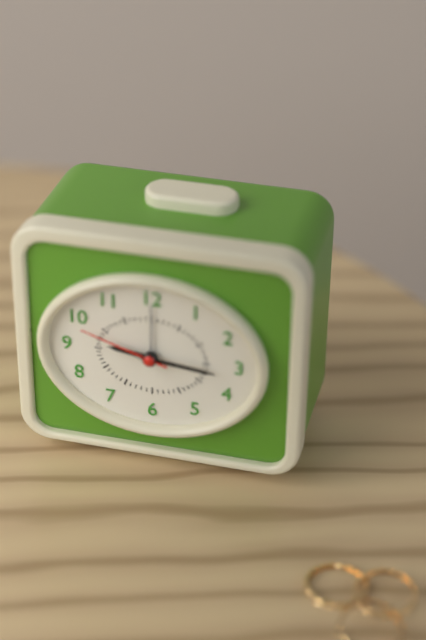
9.16.48
